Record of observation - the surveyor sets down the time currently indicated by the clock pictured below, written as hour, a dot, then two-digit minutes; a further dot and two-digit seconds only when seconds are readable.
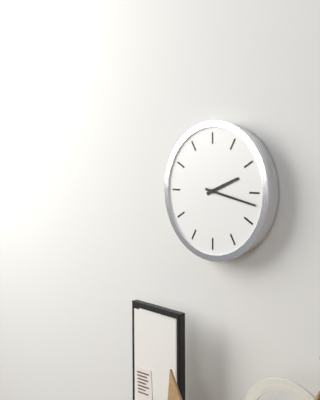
2.17
